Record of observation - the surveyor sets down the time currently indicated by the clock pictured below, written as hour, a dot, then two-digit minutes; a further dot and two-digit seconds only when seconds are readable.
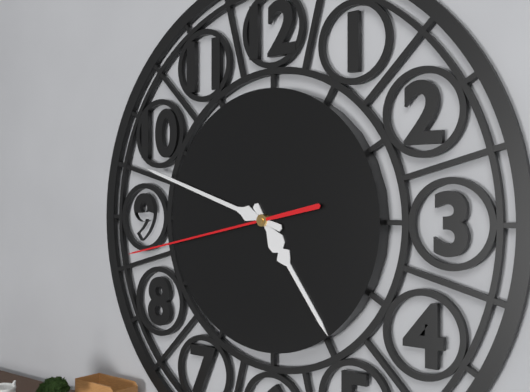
4.48.43
